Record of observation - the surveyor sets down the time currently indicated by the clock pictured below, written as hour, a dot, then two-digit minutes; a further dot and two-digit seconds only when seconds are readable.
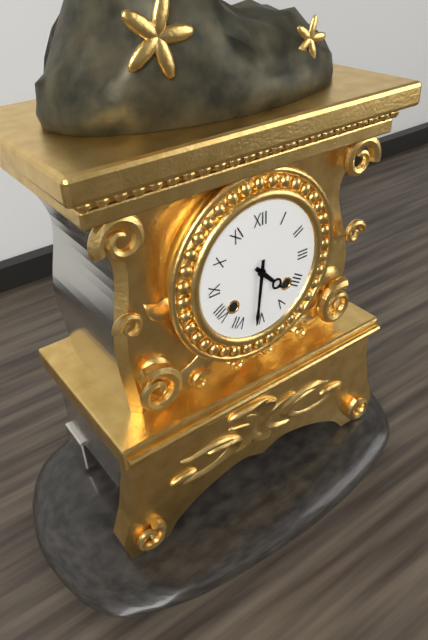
4.31
